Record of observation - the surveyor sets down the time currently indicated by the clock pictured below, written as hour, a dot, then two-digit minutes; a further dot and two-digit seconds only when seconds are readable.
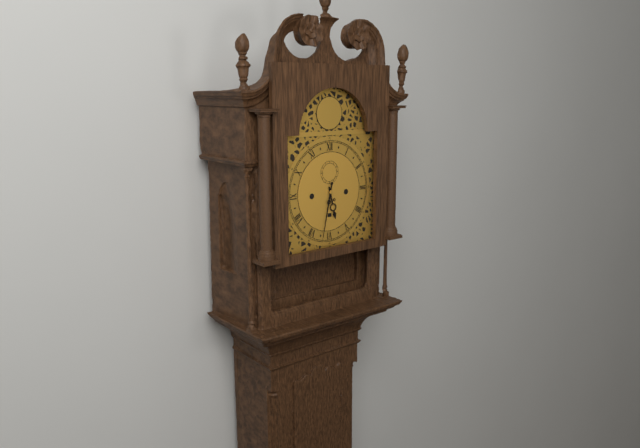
5.32
